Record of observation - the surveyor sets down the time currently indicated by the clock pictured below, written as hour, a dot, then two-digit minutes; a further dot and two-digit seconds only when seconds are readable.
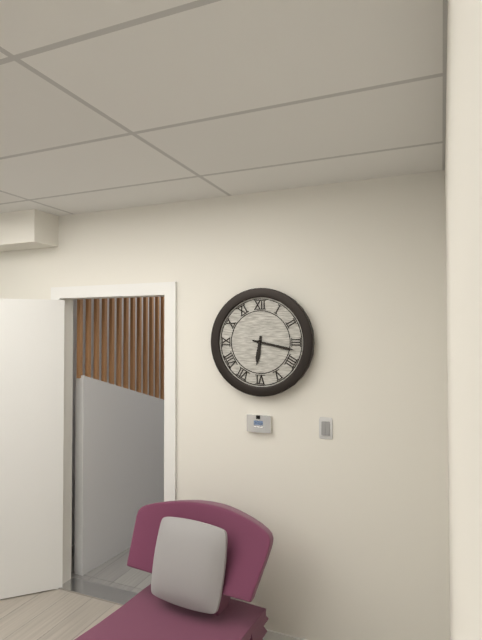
6.17
